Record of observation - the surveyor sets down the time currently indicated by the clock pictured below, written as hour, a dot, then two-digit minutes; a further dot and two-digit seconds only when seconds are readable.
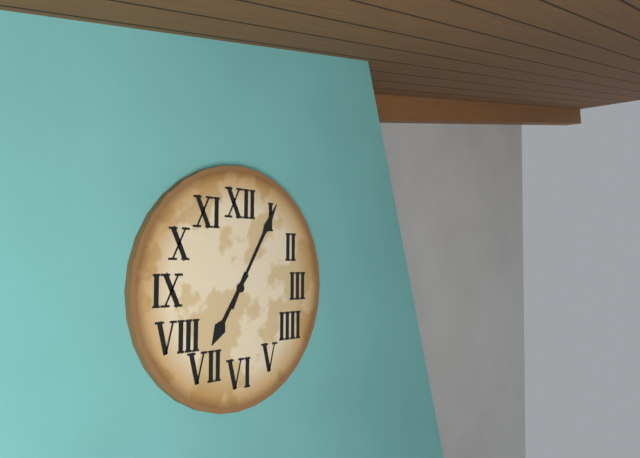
7.05
